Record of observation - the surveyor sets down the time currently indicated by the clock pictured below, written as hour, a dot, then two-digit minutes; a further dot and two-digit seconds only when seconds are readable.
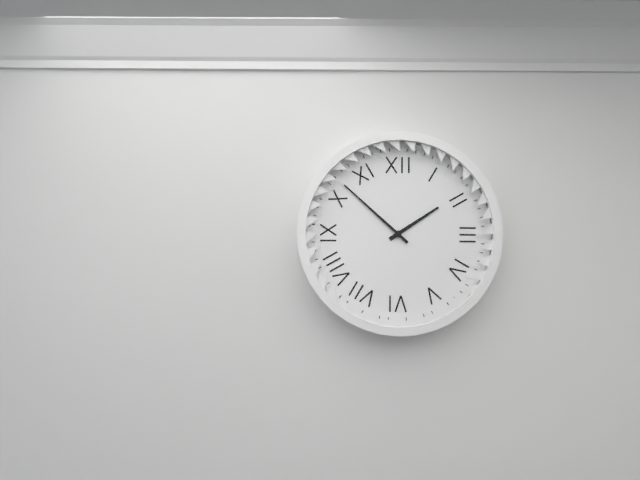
1.52
